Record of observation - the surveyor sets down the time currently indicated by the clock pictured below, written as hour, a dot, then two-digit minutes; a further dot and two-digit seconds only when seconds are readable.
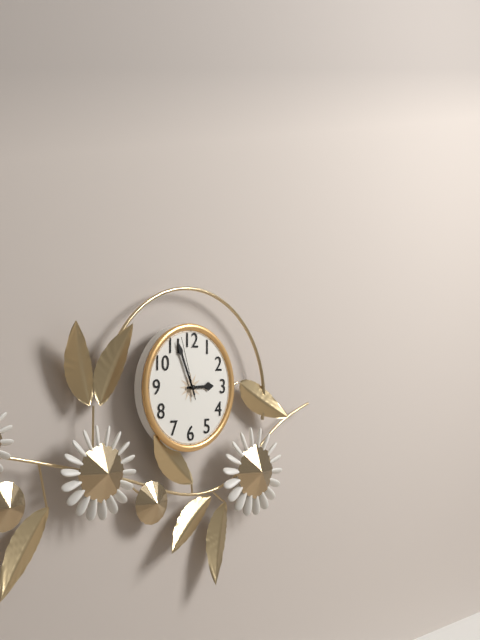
2.56.57
